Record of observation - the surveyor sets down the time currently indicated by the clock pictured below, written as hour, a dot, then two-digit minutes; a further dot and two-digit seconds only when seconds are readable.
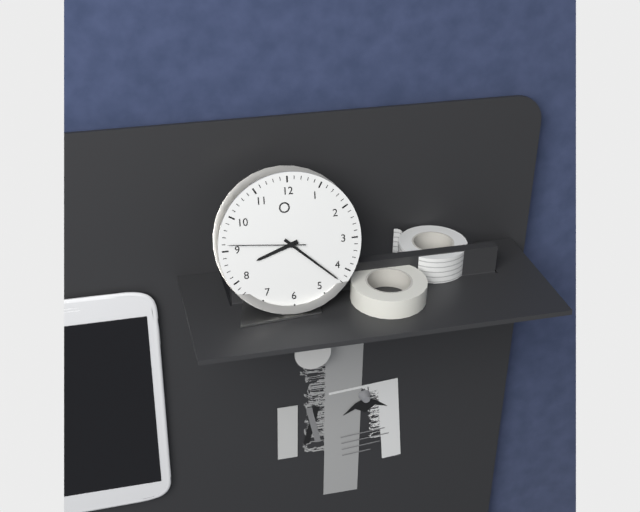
8.22.46
